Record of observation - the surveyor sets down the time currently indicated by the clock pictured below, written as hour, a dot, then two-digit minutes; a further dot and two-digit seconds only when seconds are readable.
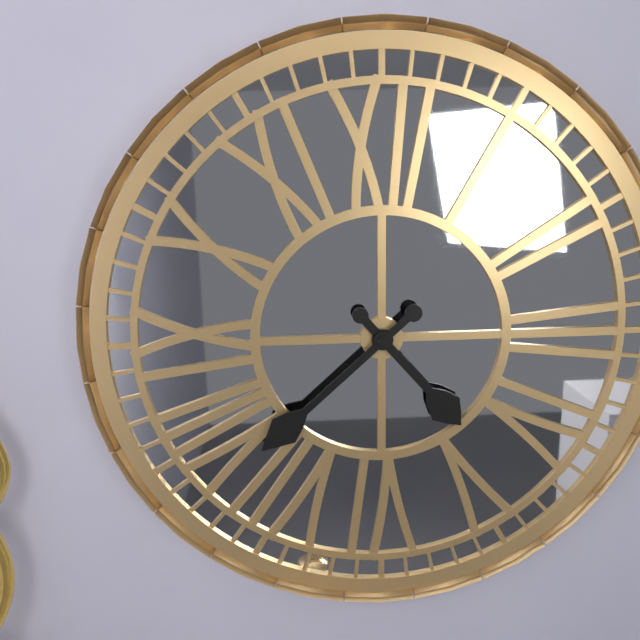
4.38
